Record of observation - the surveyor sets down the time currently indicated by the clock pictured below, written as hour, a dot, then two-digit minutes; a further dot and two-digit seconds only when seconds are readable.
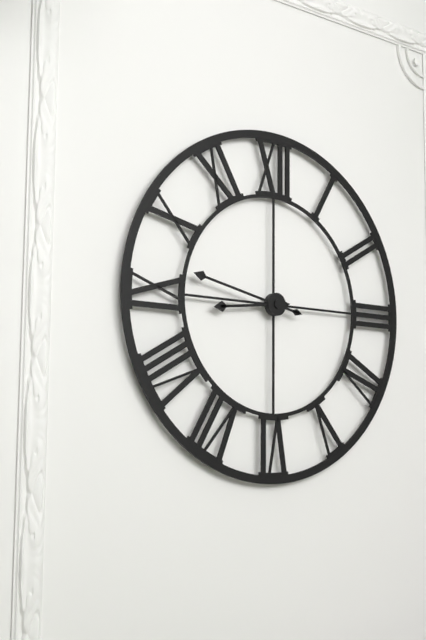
8.47
